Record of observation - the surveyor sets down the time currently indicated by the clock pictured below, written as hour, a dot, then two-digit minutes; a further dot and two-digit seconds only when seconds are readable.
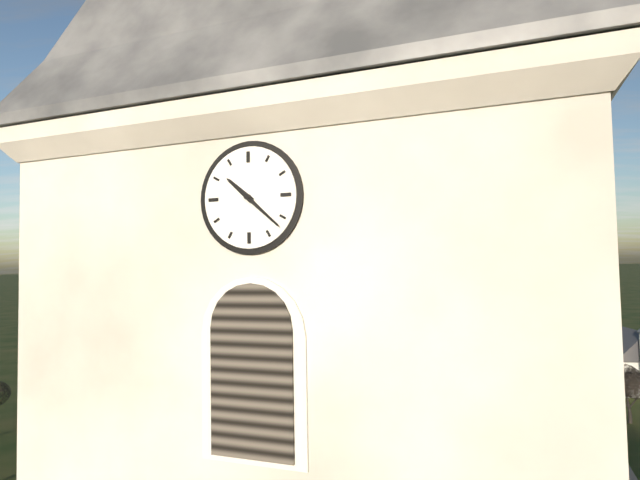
10.22
